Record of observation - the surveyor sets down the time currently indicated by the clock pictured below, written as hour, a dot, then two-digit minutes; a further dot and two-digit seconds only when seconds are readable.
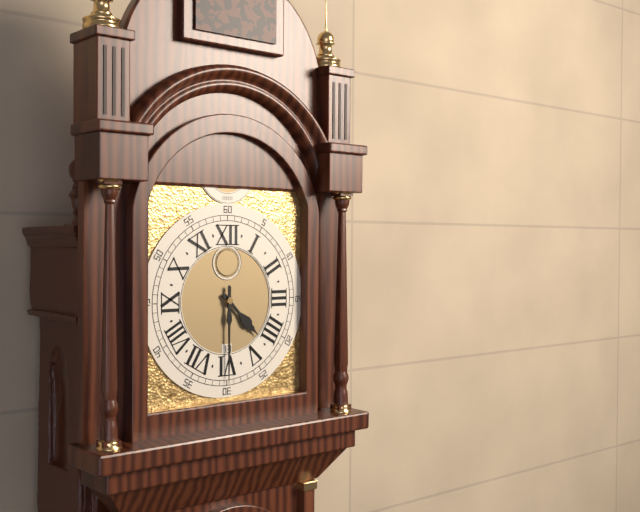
4.30
